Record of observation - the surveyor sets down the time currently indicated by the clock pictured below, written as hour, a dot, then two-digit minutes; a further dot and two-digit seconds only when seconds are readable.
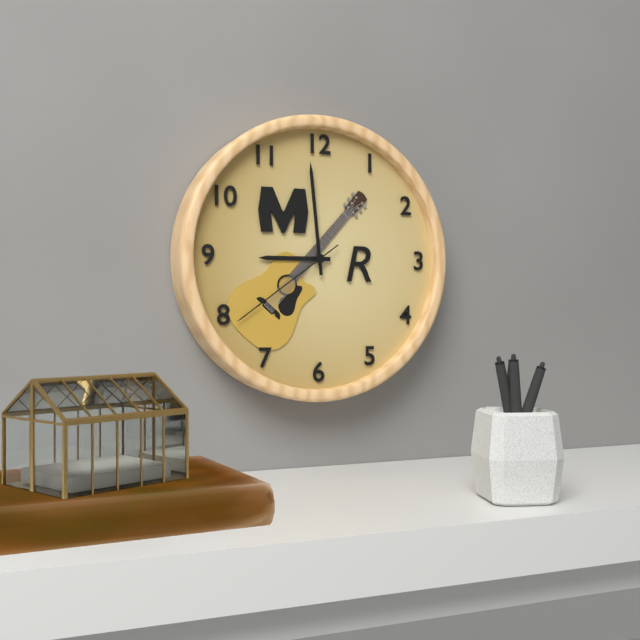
8.59.39
